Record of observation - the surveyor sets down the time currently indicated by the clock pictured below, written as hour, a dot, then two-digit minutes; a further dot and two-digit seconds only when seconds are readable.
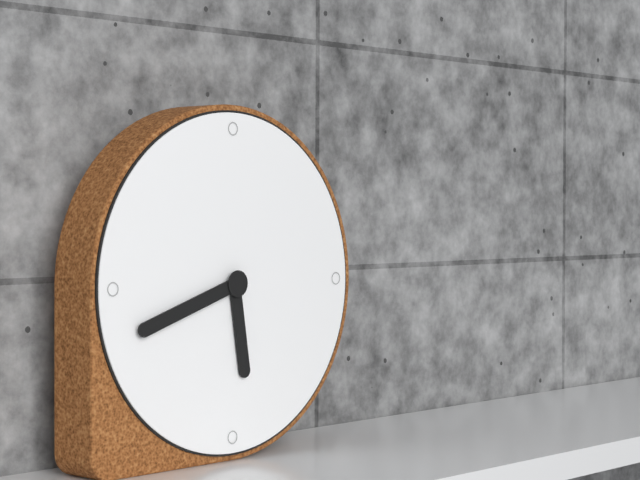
5.42
